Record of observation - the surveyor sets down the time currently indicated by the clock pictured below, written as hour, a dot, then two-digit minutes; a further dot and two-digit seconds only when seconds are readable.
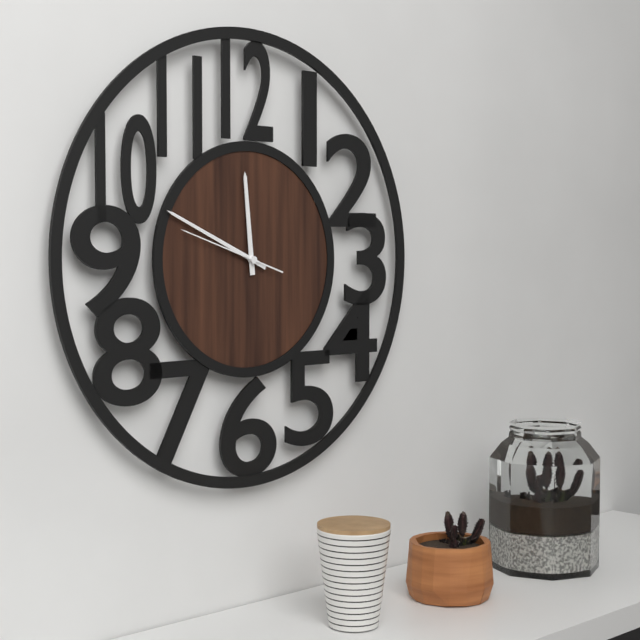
11.49.48
